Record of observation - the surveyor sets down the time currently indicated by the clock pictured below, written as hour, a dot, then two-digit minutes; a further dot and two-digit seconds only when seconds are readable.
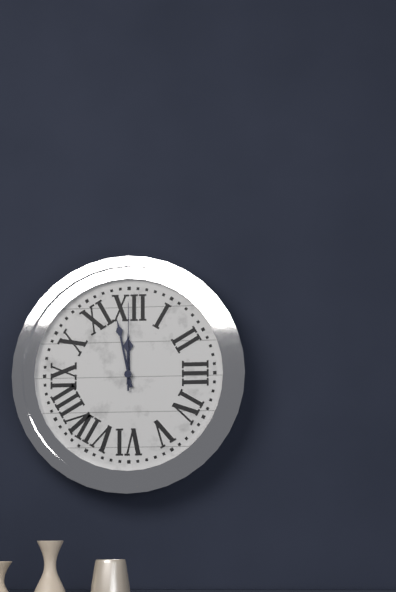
11.58.00
